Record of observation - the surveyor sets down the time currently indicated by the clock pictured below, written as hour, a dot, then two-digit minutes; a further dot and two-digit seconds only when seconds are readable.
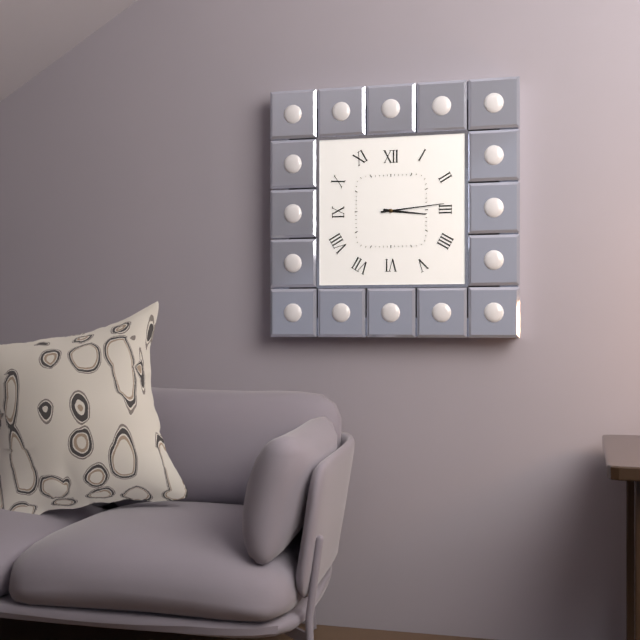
3.14
